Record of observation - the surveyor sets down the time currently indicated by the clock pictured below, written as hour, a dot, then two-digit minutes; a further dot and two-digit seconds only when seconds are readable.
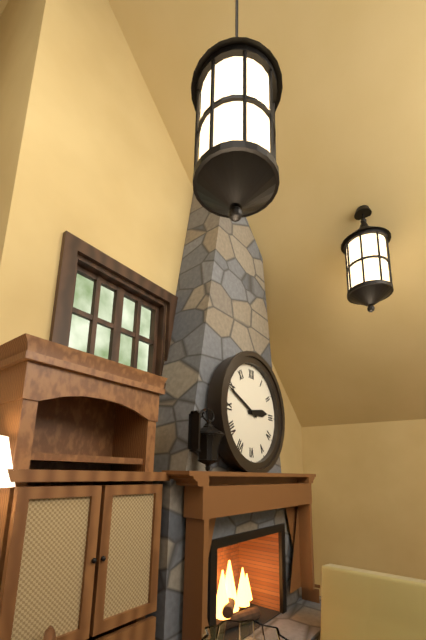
2.49
